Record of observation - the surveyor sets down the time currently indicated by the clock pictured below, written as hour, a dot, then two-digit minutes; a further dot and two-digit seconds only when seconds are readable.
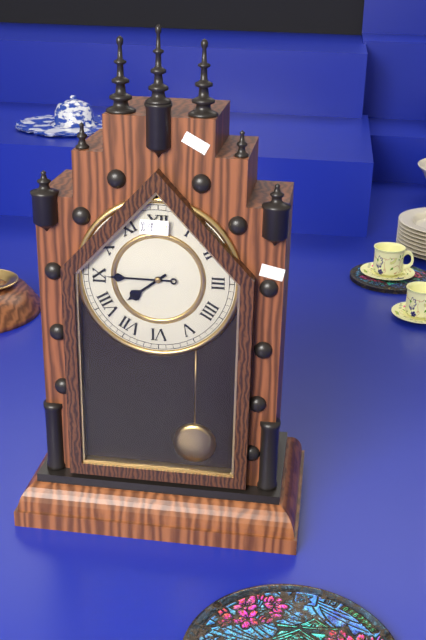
7.45
